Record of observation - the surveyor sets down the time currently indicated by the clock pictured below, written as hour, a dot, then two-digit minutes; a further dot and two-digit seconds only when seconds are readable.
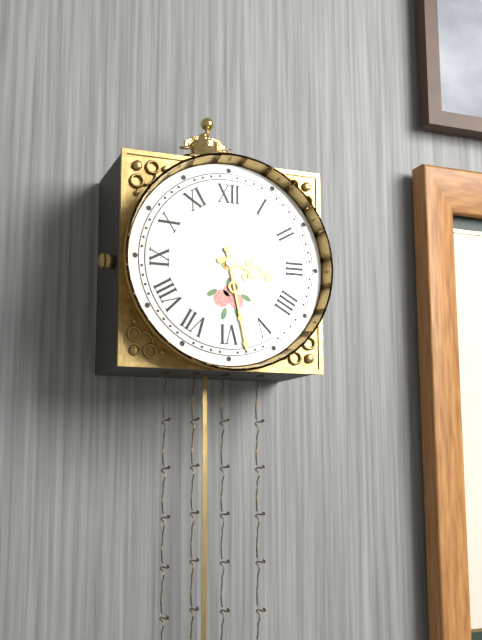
3.28
